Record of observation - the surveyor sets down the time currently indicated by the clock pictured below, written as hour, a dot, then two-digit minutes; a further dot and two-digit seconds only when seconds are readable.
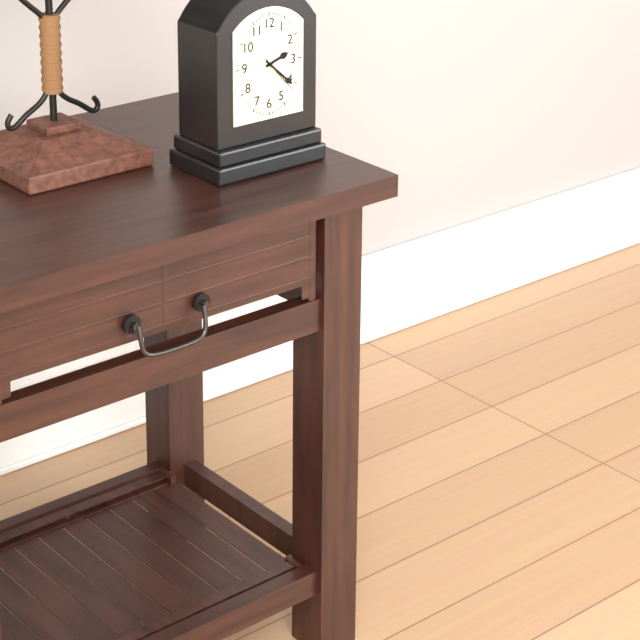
2.22
